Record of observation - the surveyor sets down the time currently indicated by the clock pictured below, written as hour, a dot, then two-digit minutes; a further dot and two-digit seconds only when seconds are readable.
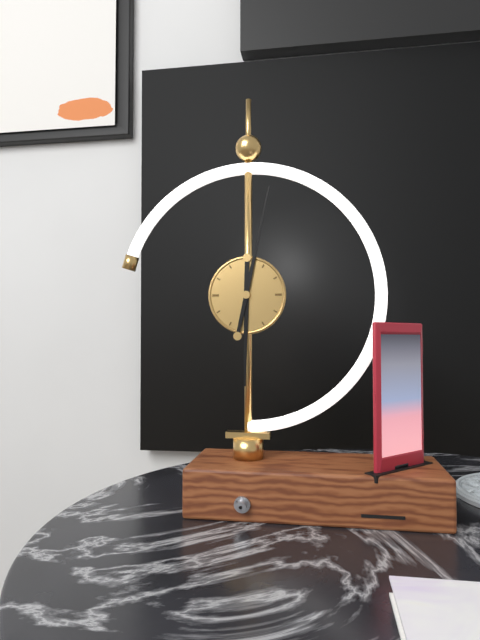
6.02
